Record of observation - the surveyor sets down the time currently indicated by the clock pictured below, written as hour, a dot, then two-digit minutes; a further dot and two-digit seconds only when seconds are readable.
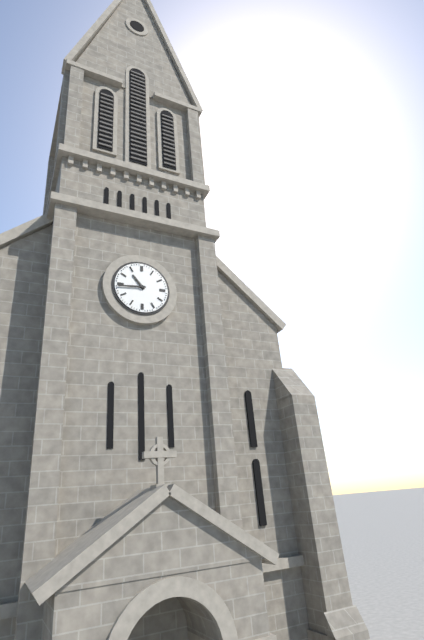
10.44
